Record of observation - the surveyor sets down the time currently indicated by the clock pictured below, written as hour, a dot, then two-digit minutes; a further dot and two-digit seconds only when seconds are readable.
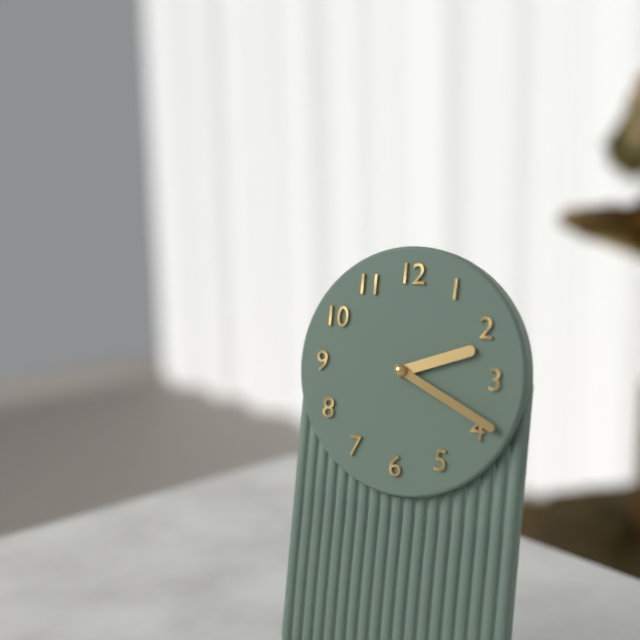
2.19
